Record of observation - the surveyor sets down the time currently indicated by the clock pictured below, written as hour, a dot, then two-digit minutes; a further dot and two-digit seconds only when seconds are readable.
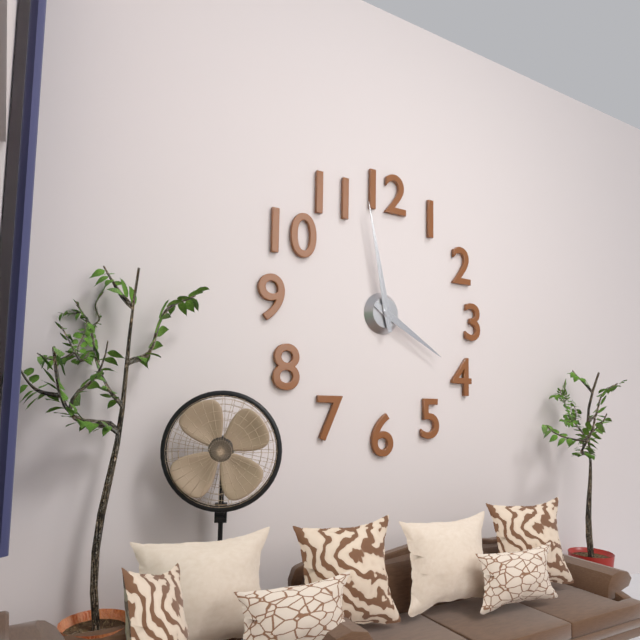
3.58
